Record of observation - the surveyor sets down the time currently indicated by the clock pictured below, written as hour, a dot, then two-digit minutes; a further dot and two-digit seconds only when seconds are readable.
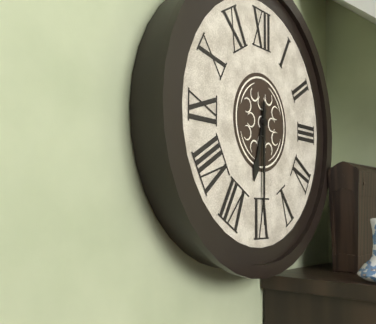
6.30
